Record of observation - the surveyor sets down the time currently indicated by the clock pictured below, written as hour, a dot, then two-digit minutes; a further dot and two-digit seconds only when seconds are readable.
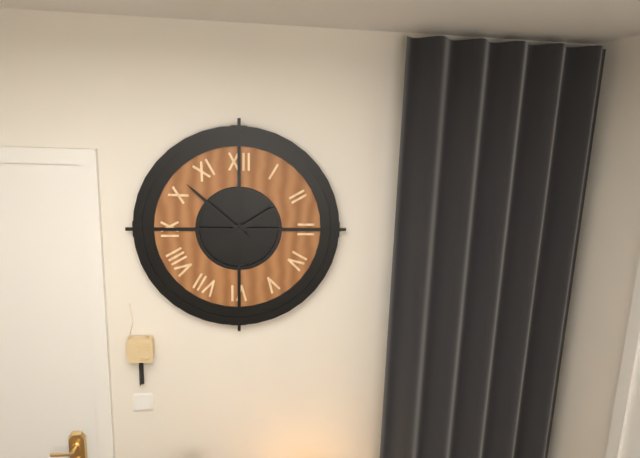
1.52
